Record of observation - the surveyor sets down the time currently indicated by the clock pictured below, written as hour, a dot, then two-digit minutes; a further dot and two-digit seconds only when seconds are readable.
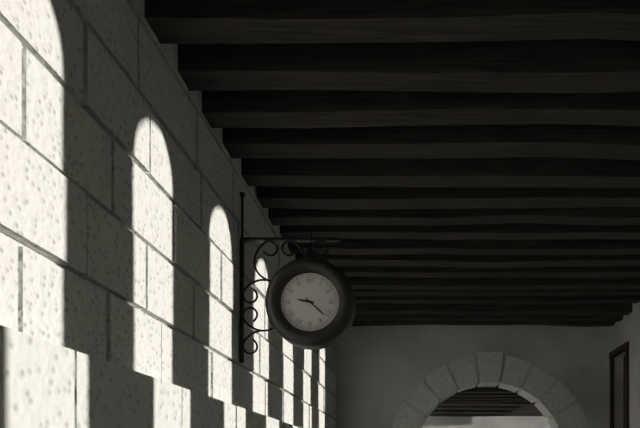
9.22
